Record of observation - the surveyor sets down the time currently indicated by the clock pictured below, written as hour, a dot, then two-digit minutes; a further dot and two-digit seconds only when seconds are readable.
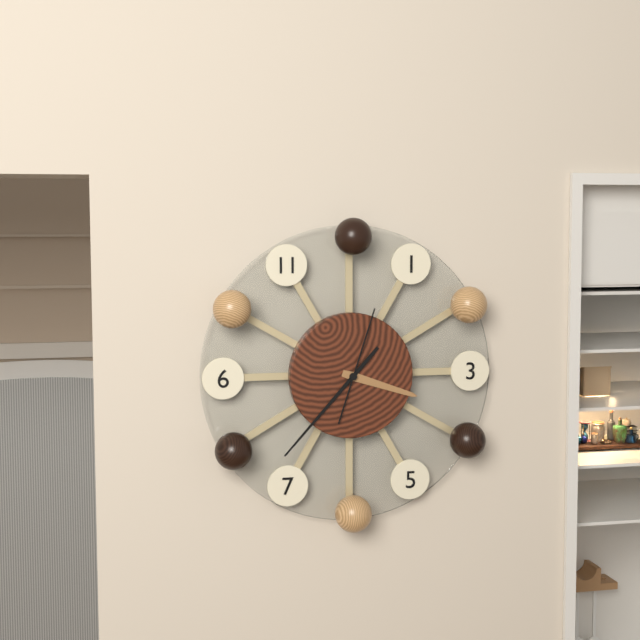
3.37.03
